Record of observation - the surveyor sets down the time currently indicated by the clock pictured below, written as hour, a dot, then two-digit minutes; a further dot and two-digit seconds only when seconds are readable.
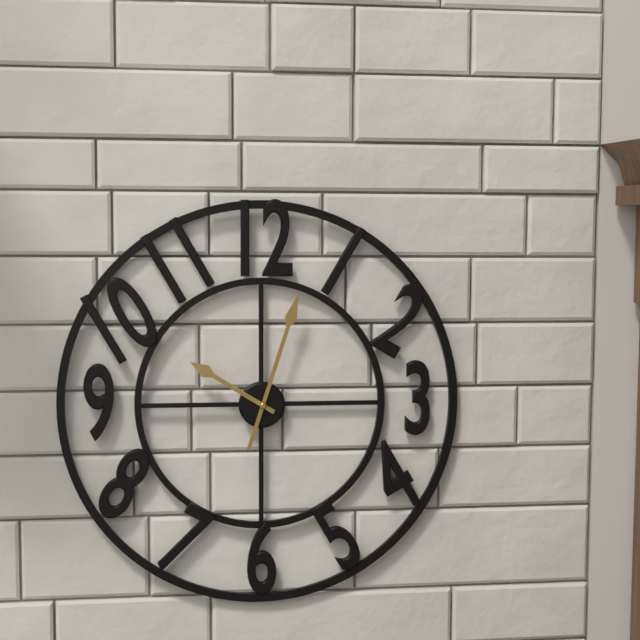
10.03
